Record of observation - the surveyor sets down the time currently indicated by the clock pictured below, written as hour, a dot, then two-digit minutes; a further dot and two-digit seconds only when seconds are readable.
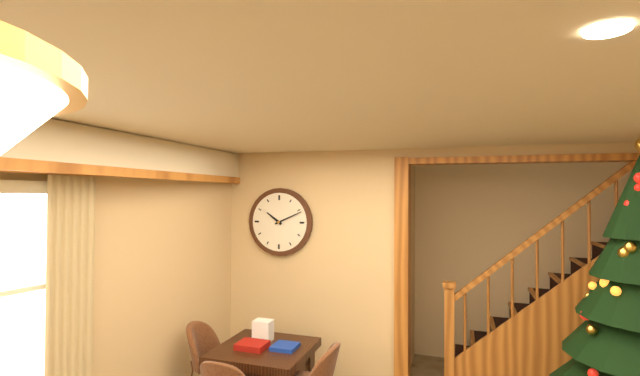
10.11
